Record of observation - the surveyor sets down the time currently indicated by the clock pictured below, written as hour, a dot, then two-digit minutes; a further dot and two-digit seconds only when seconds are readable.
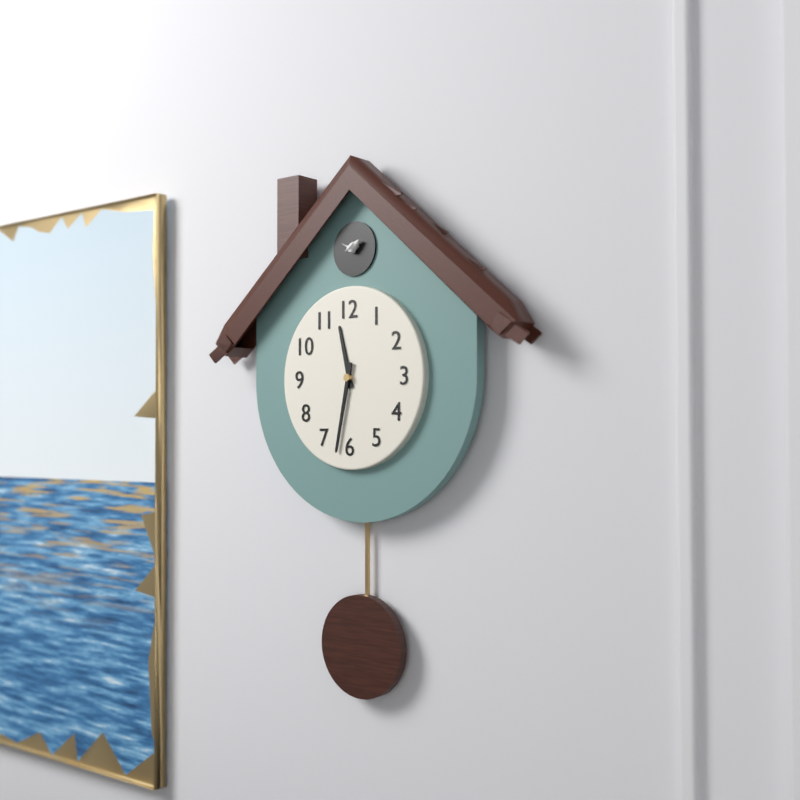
11.32
